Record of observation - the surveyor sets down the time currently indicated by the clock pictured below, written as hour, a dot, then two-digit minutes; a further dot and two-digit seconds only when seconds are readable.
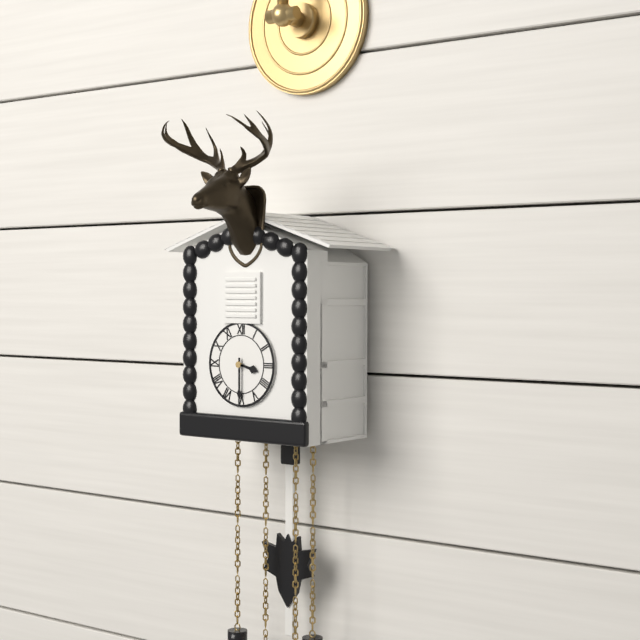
3.30
